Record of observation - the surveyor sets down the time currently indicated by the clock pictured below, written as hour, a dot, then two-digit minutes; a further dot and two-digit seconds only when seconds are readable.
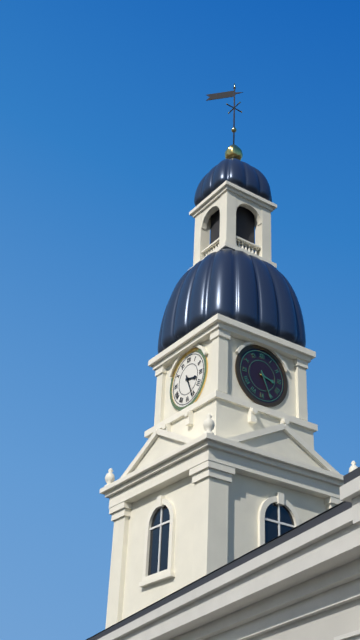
3.26
